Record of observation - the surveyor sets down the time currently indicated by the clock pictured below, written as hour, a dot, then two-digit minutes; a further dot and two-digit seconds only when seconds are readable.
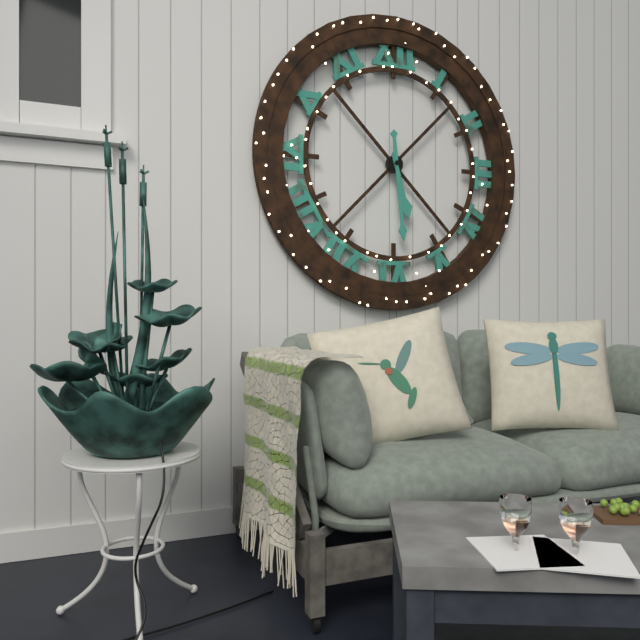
5.29
